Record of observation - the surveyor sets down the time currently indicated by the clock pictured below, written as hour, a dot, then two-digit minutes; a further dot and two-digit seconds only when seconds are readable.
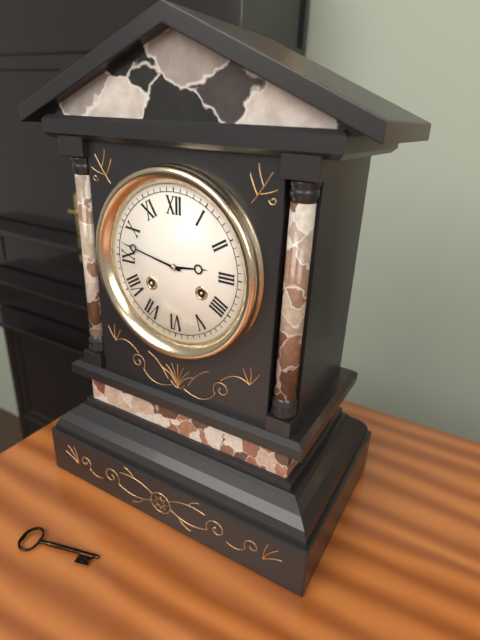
2.47
